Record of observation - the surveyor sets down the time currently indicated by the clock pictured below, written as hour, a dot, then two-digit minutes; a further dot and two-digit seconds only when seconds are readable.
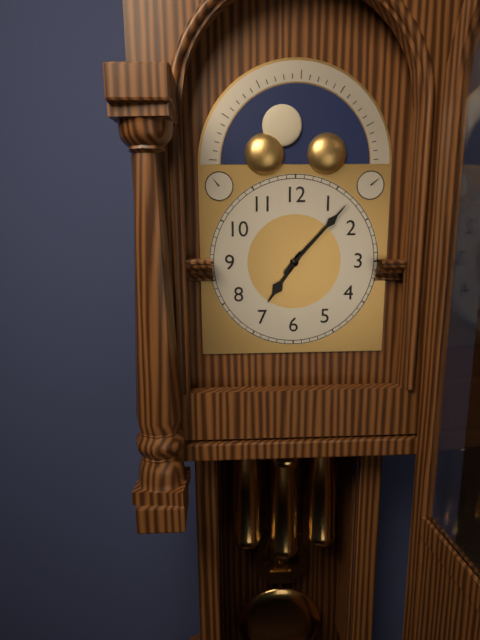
7.07
